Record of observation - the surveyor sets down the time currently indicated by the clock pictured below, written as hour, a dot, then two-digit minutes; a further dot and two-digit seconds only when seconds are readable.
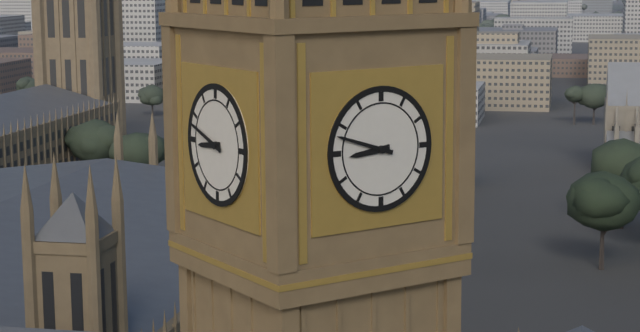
8.48
